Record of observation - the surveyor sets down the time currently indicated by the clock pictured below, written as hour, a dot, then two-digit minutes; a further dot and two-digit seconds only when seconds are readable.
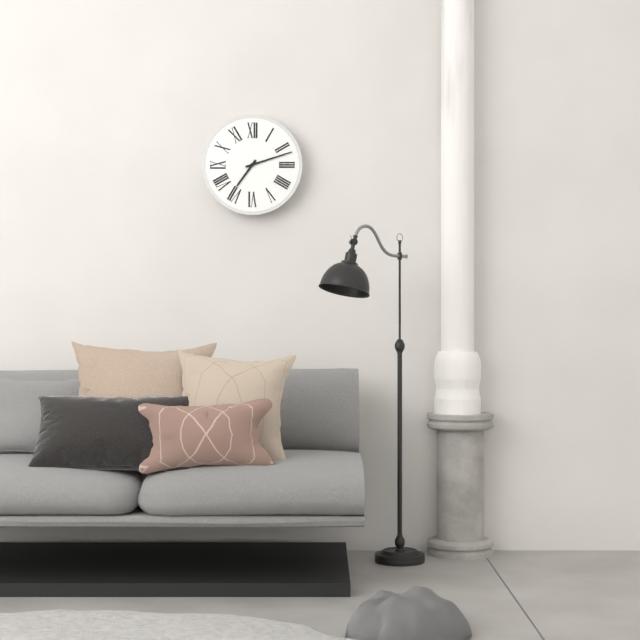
7.12
